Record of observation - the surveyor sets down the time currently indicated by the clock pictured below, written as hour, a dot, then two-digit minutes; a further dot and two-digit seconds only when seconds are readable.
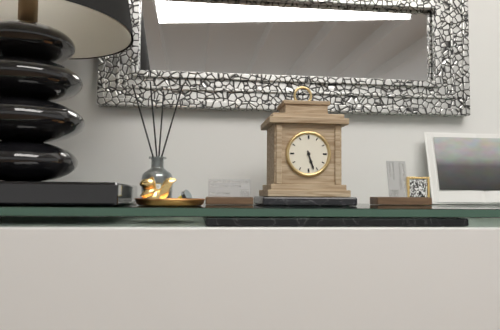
5.27
